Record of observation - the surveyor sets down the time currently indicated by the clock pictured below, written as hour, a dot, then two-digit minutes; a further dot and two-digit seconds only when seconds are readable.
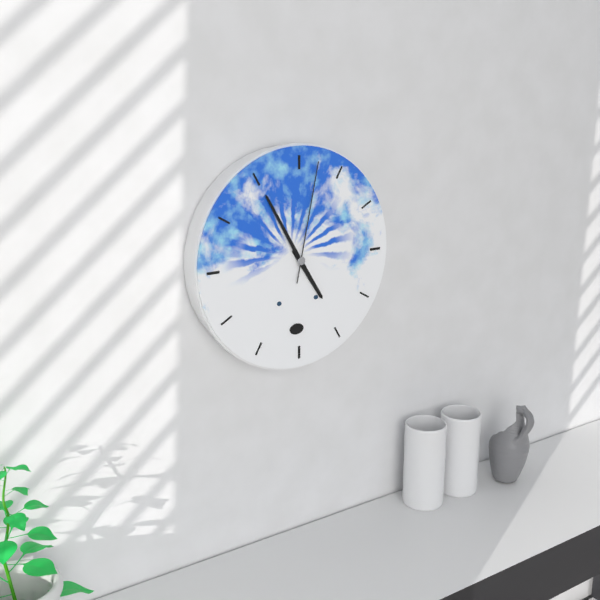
4.55.02
